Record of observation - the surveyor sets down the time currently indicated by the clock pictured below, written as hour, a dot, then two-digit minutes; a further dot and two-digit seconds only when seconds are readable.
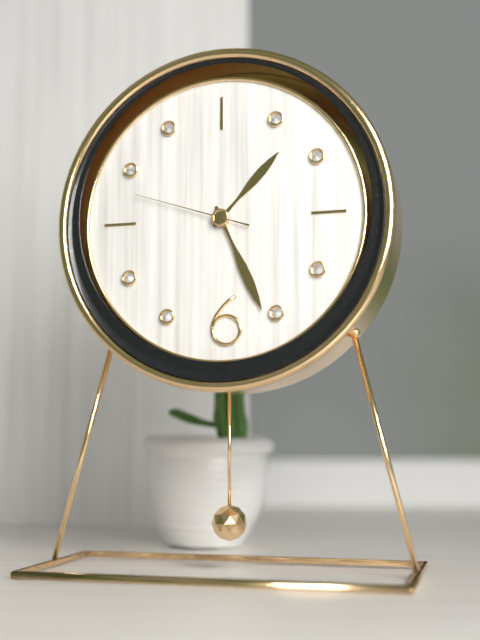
1.26.48
